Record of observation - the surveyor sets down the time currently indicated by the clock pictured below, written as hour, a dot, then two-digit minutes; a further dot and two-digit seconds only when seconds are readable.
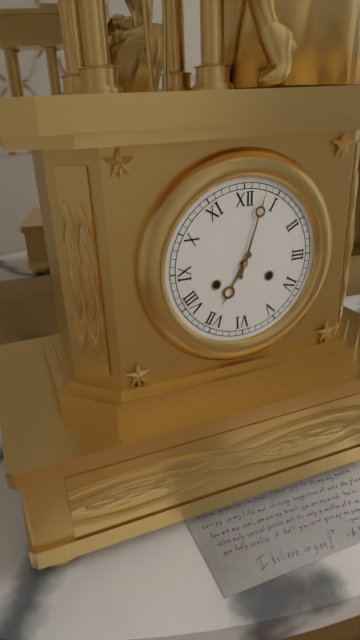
7.03
